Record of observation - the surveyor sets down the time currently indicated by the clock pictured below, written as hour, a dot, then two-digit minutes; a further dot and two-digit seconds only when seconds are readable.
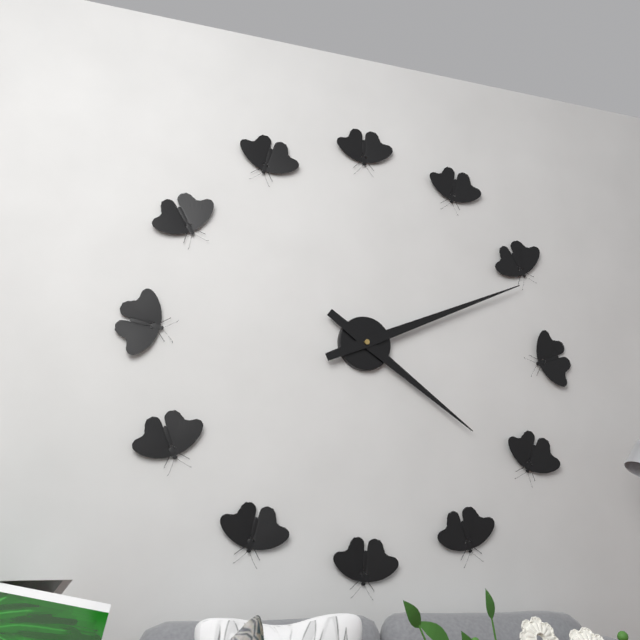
4.11
